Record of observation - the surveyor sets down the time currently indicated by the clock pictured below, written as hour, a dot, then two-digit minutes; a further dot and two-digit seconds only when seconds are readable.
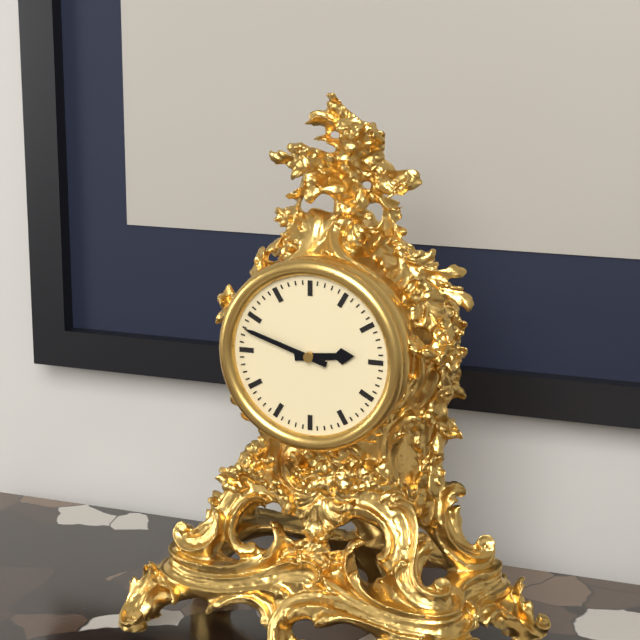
2.48
